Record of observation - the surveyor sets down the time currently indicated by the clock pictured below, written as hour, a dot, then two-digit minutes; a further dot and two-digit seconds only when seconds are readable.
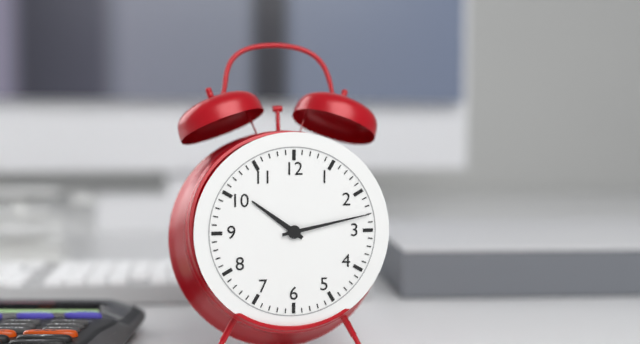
10.13
